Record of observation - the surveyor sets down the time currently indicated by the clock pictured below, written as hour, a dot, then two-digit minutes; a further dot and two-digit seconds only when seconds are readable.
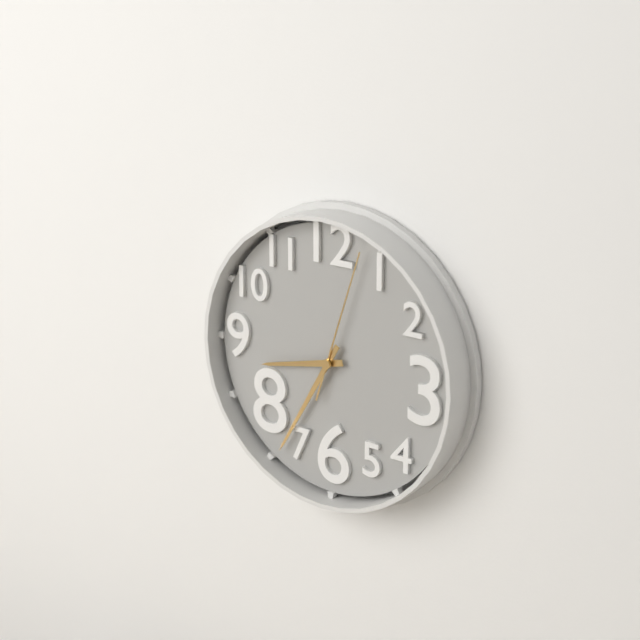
8.35.03
